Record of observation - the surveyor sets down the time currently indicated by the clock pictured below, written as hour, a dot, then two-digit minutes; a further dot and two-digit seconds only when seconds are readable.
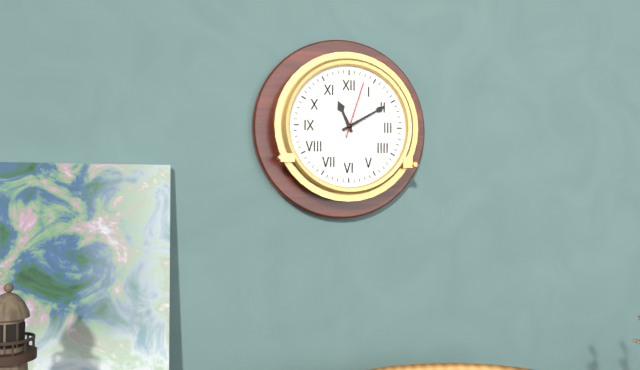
11.10.03
